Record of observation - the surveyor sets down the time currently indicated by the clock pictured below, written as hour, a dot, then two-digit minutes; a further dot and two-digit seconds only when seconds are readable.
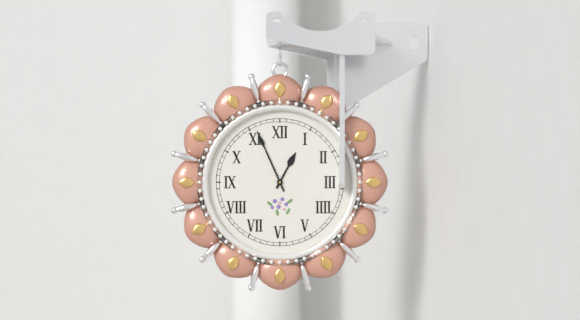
12.56
